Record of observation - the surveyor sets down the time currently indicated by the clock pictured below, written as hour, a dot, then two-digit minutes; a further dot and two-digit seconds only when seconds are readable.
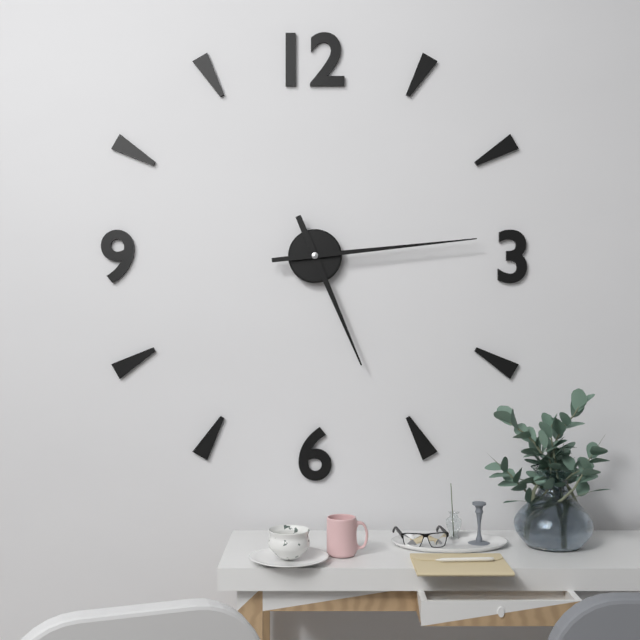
5.14
